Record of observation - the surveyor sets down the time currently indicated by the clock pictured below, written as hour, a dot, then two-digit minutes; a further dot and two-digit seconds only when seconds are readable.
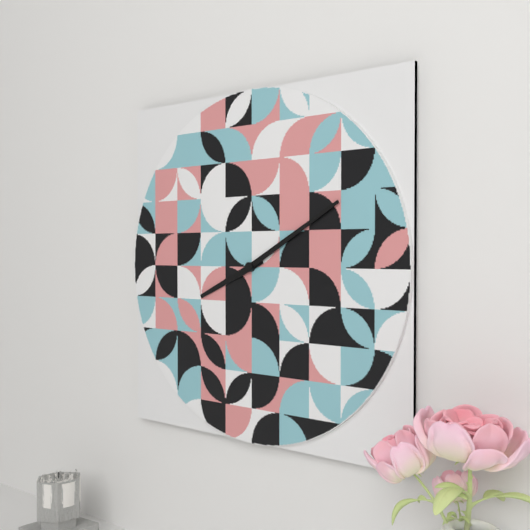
8.10
